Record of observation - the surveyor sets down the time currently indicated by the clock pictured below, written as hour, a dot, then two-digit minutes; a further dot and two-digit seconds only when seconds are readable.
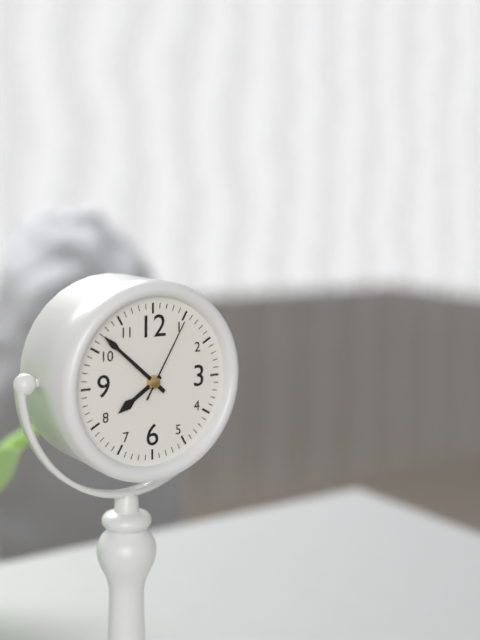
7.52.05
